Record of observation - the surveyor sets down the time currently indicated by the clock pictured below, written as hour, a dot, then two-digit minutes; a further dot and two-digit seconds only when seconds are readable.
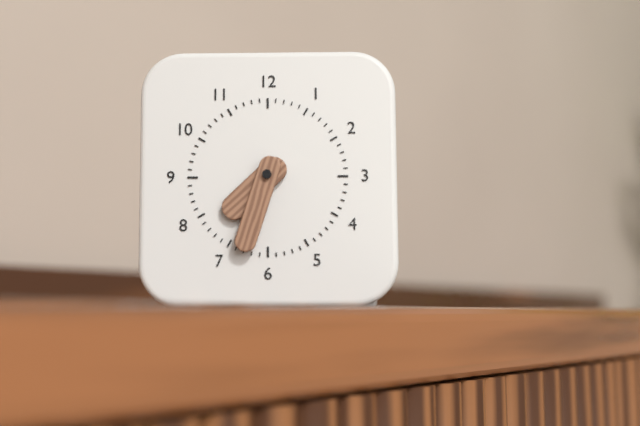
7.33
